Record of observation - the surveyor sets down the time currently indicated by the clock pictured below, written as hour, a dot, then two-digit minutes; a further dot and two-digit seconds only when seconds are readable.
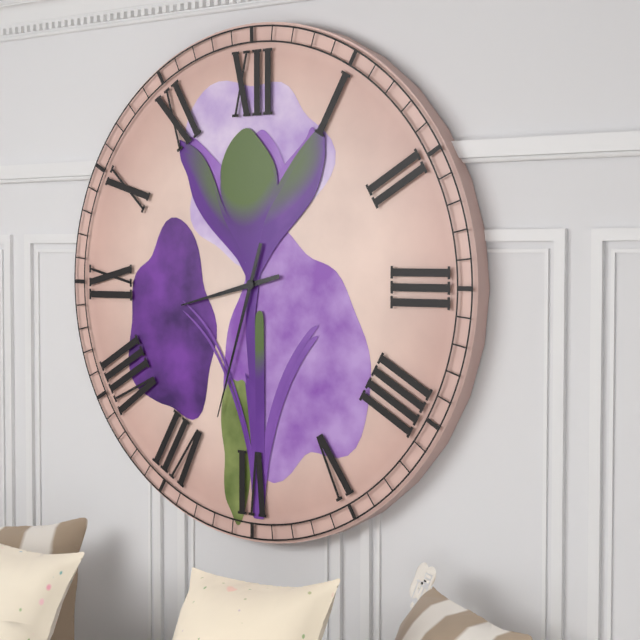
8.33
